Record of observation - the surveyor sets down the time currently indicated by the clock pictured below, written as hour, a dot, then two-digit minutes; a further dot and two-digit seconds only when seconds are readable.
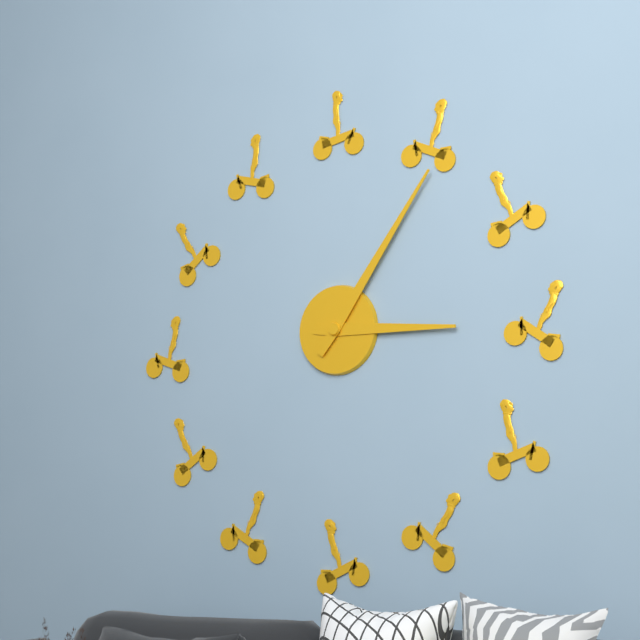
3.06
